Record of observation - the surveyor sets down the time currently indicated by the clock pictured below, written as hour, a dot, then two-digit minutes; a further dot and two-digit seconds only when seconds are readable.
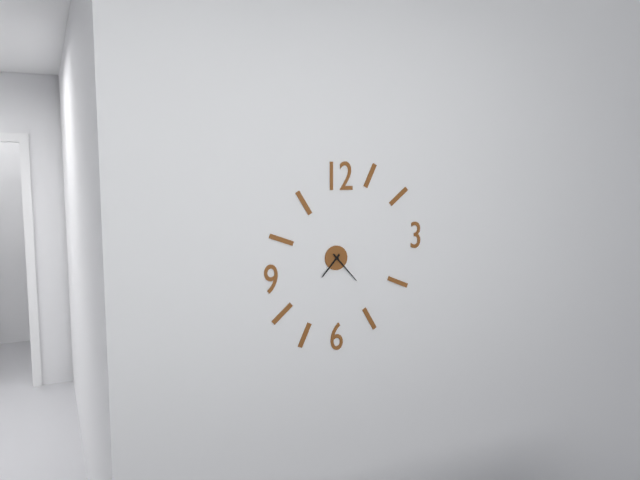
7.23
